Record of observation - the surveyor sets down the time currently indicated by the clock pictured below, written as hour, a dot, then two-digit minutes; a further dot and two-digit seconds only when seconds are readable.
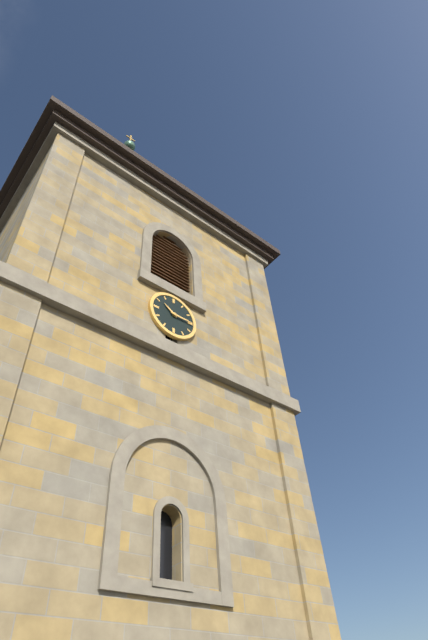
10.15
